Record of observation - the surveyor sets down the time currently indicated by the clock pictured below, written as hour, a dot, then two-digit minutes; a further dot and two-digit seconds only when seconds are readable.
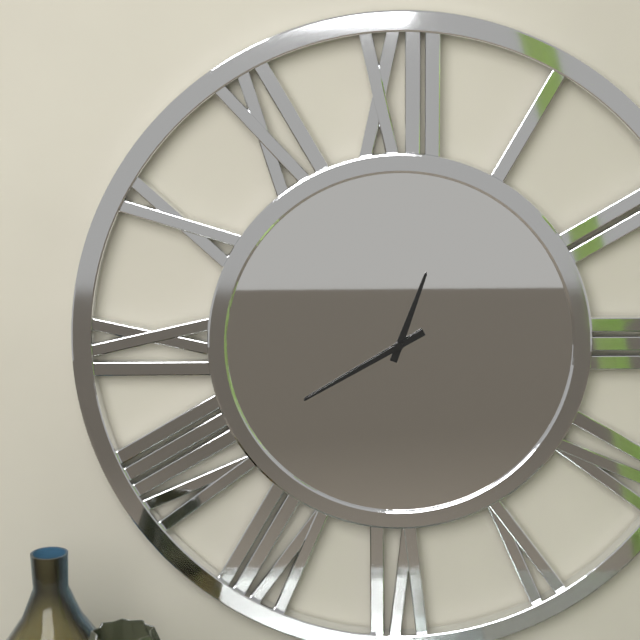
12.40
